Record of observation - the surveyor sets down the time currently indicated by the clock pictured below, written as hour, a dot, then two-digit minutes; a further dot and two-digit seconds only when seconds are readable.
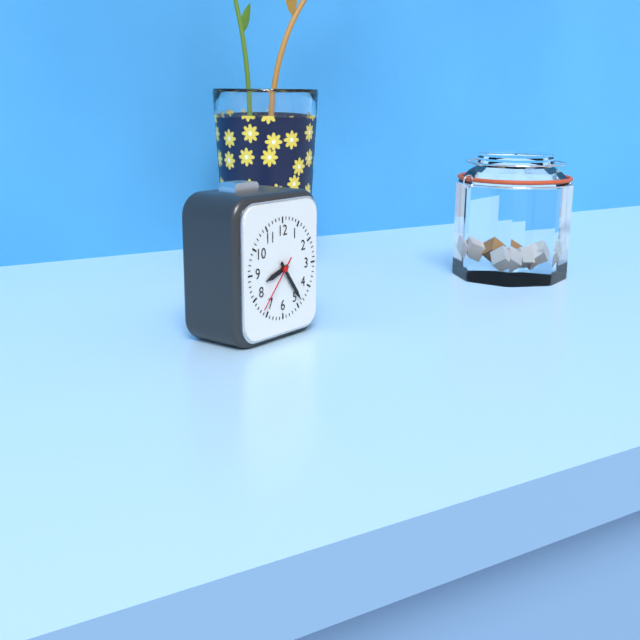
8.24.37
